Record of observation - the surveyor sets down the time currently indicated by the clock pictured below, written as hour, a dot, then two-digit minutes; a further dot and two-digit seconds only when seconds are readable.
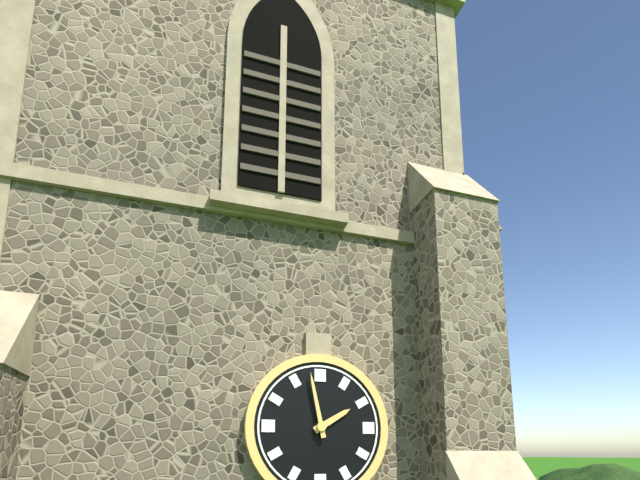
1.58
